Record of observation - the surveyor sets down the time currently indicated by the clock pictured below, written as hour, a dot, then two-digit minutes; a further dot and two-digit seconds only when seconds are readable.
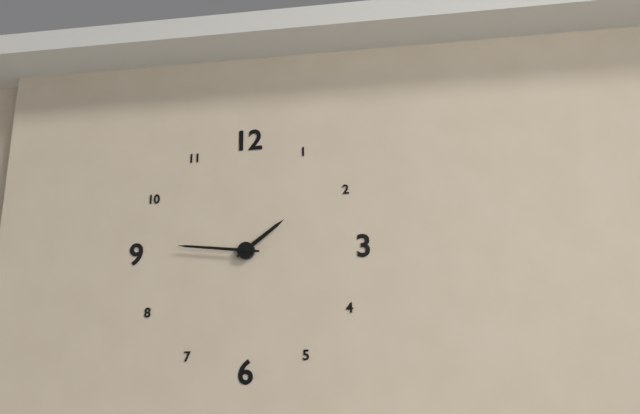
1.46
